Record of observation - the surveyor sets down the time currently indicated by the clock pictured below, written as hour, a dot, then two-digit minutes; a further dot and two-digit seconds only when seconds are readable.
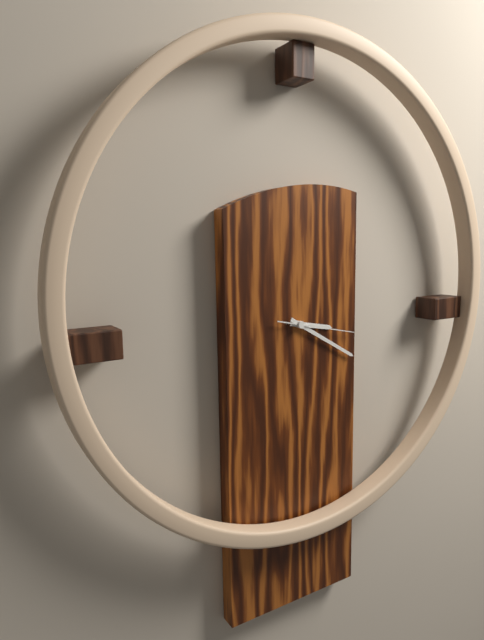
3.20.17
